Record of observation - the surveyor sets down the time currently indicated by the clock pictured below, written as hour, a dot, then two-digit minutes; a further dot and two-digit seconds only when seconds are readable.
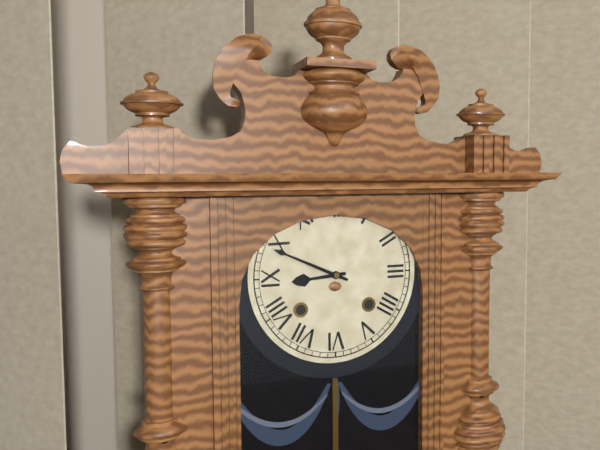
8.49
